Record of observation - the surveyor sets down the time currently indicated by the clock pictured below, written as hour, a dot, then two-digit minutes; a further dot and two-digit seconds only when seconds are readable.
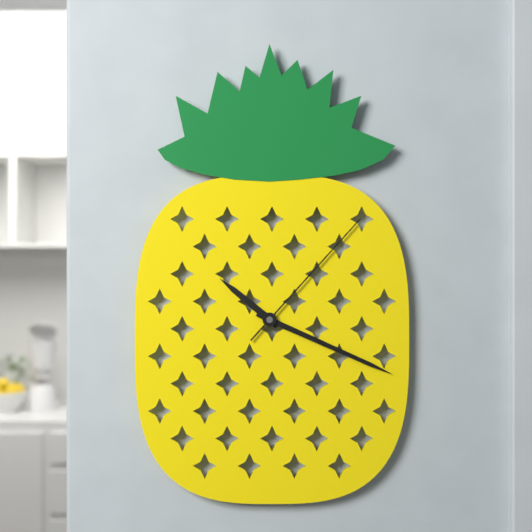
10.19.07
